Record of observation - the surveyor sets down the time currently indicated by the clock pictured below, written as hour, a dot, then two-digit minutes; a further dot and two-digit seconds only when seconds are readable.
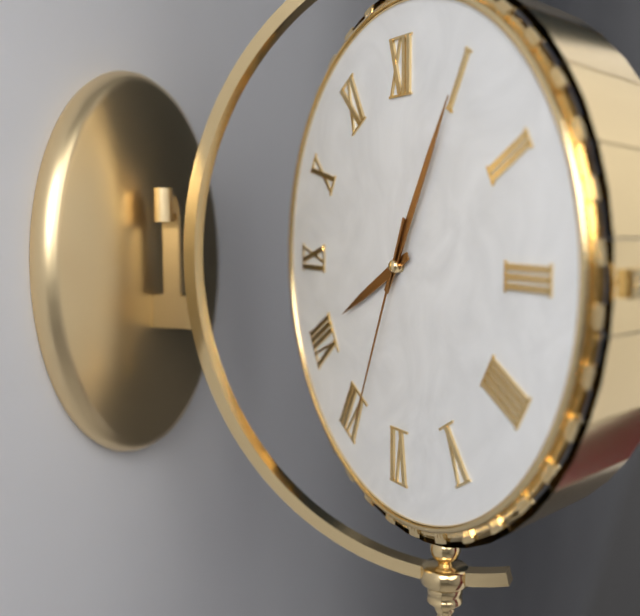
8.05.34
